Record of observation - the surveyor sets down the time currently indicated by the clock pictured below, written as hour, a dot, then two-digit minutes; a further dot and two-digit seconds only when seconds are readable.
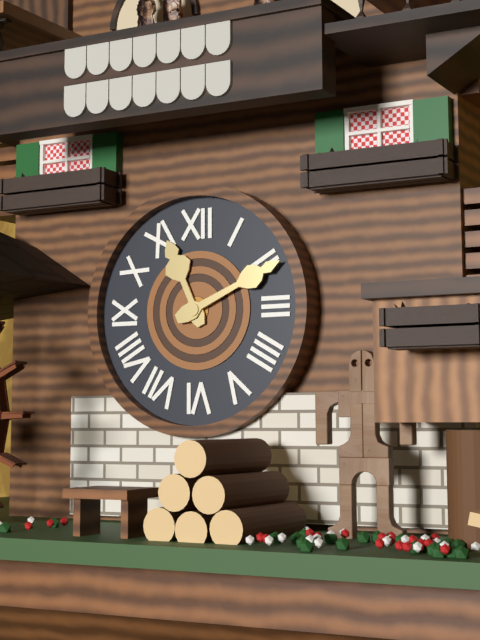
11.11
